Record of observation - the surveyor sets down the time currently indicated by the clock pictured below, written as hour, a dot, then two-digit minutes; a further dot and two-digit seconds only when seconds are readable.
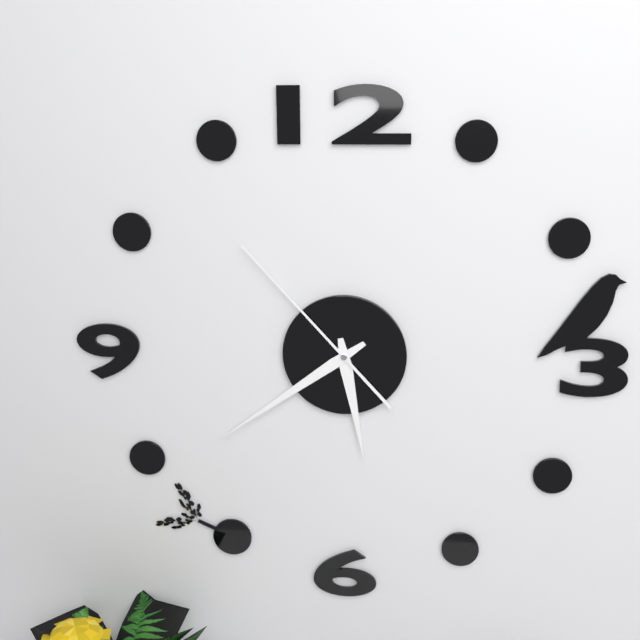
5.39.53
